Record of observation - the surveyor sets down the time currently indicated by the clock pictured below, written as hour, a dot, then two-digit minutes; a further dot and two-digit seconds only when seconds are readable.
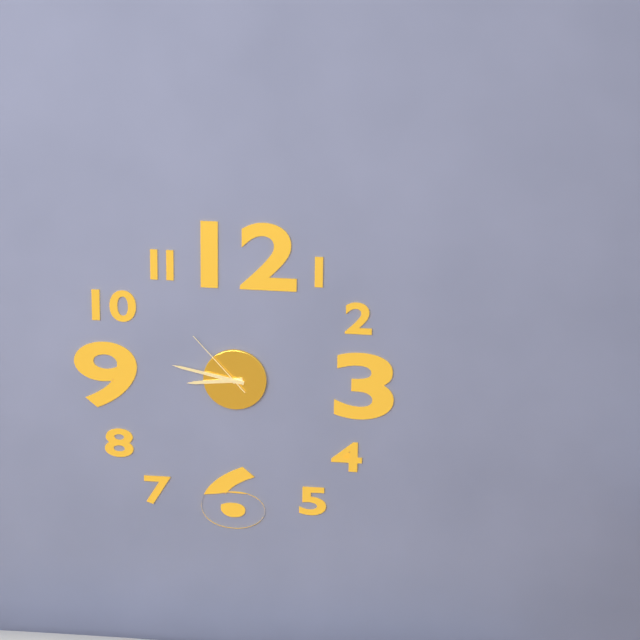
8.47.53
